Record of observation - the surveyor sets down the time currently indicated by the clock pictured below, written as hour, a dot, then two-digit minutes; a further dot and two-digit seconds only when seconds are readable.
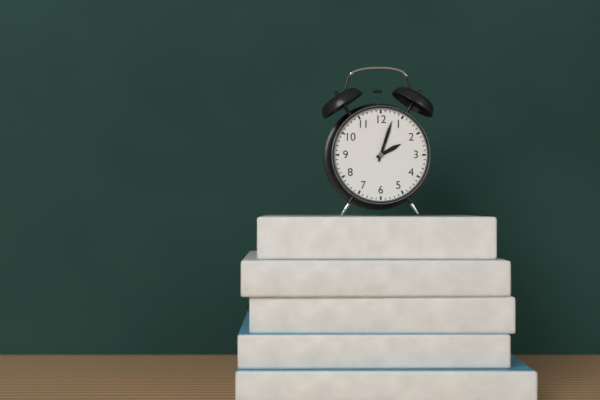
2.03
